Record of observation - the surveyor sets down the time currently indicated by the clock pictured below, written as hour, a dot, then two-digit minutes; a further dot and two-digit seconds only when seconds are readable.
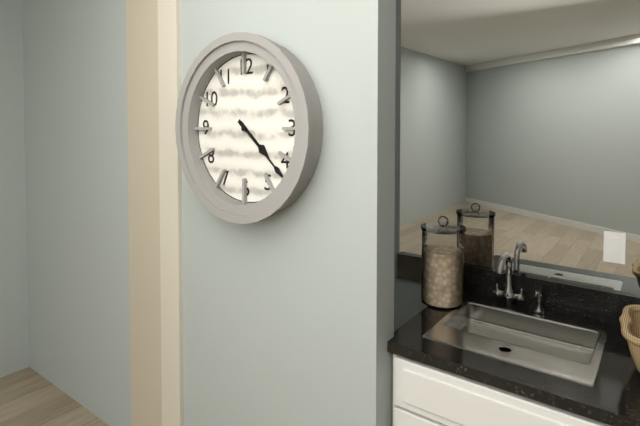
4.22
